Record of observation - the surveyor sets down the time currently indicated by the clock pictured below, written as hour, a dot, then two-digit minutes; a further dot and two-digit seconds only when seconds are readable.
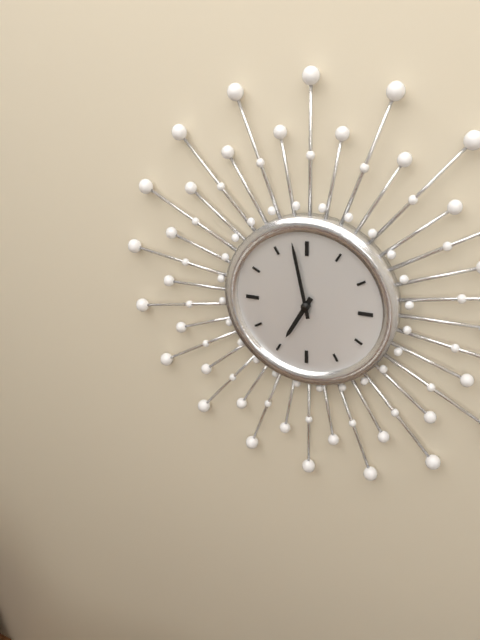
6.58
